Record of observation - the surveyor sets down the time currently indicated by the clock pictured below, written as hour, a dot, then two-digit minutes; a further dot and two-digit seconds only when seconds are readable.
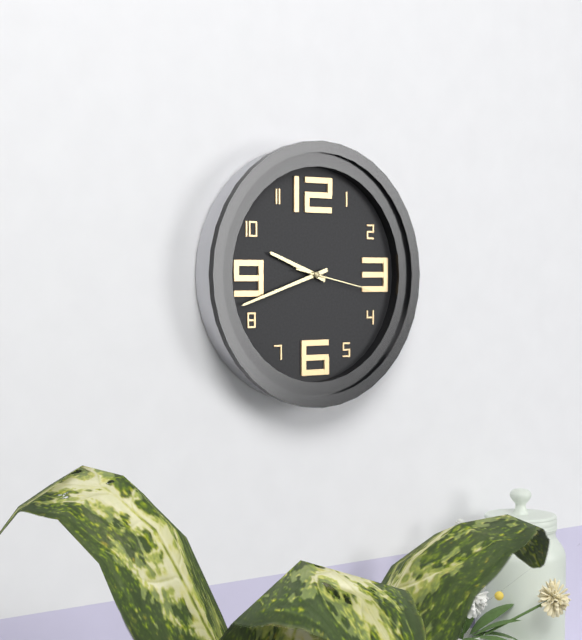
9.42.17
